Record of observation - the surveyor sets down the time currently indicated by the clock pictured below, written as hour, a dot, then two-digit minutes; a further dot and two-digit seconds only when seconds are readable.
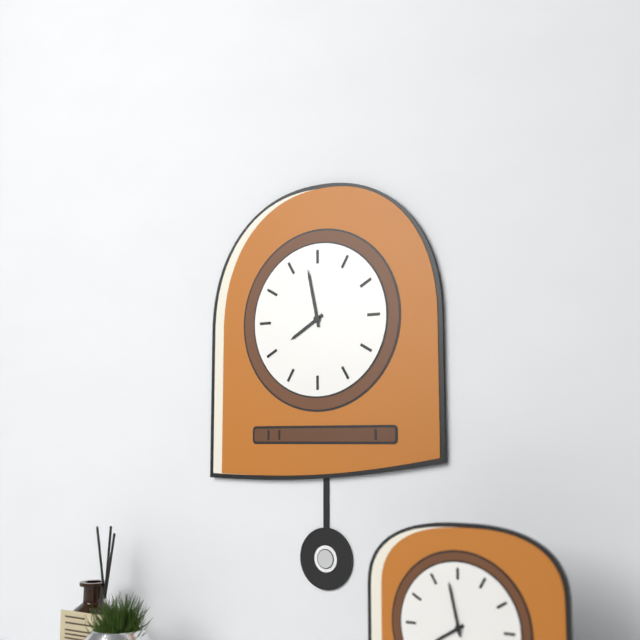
7.58
